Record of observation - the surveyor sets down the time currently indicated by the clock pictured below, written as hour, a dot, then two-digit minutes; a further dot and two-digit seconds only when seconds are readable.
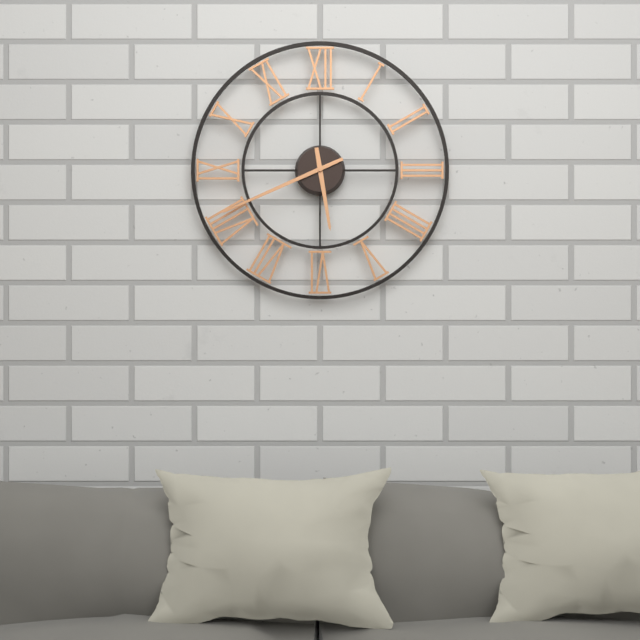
5.41
